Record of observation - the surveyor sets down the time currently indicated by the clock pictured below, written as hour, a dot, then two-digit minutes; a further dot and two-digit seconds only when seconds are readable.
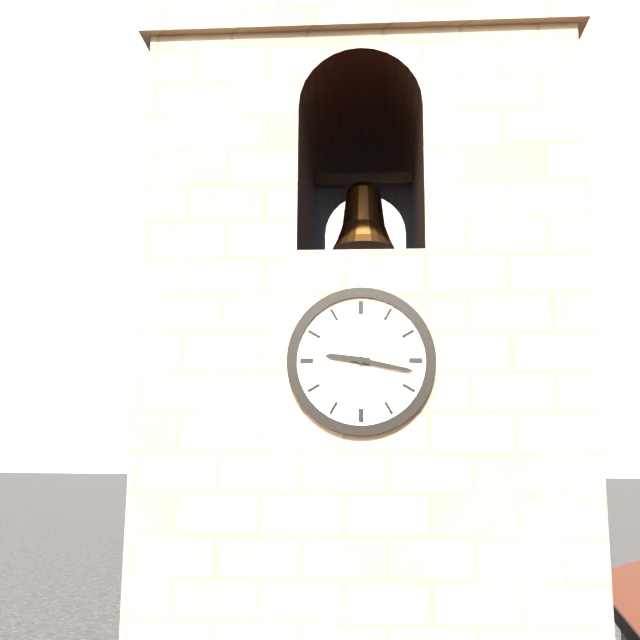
9.17
